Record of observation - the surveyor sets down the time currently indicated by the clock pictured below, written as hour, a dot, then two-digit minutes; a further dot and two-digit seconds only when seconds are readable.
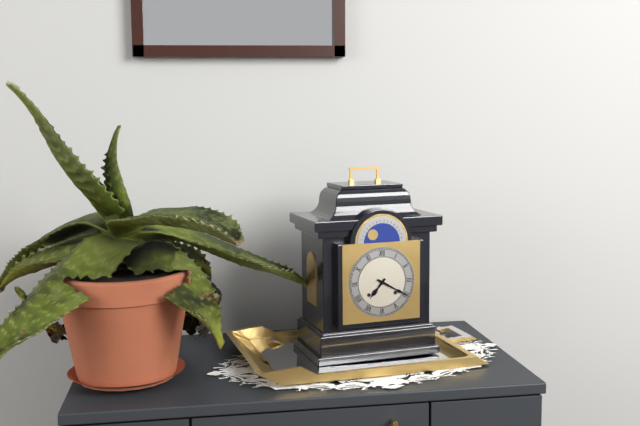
7.20
